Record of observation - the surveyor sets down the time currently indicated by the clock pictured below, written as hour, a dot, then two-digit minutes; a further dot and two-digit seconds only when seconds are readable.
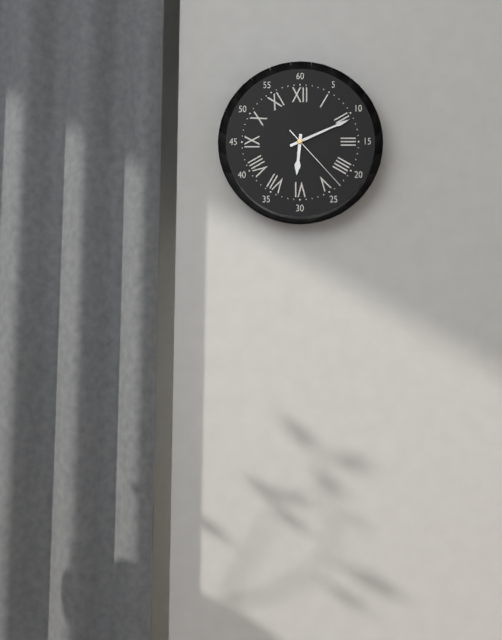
6.11.23
